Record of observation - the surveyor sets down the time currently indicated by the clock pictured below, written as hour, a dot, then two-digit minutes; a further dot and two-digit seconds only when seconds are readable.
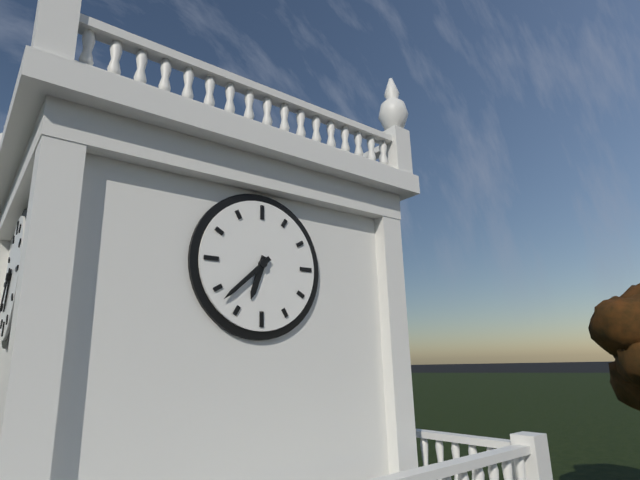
6.38
